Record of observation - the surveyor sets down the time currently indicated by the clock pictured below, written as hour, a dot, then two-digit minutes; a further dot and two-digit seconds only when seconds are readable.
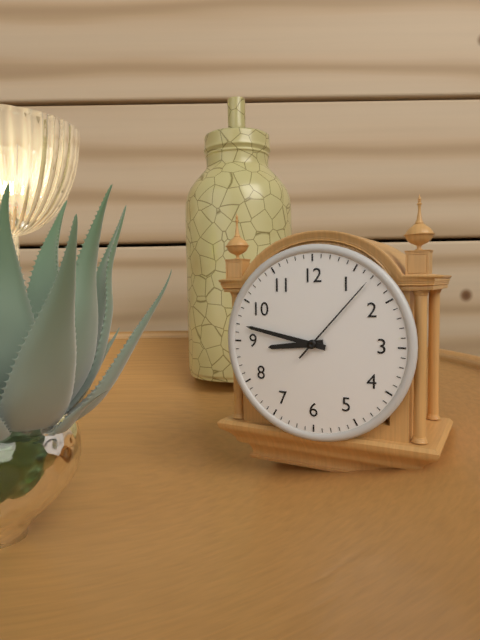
8.47.07
